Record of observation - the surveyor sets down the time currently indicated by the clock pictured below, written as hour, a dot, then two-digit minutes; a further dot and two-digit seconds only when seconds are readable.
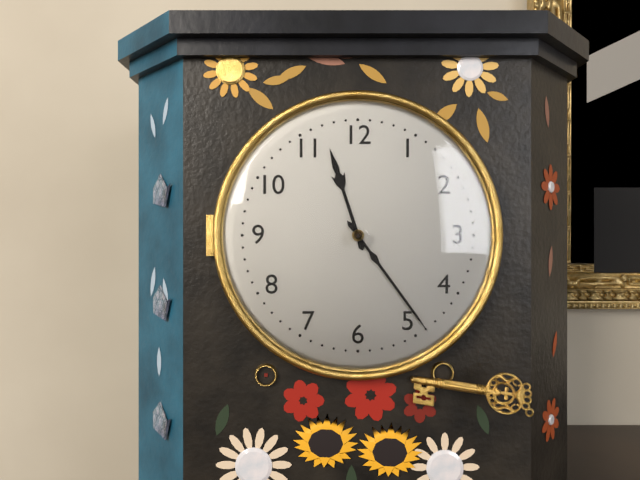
11.24
